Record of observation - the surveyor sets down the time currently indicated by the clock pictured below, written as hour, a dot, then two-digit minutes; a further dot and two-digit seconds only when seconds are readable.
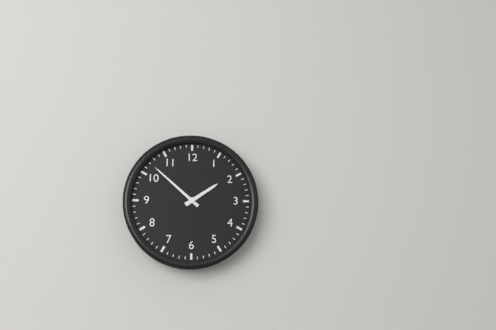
1.52
